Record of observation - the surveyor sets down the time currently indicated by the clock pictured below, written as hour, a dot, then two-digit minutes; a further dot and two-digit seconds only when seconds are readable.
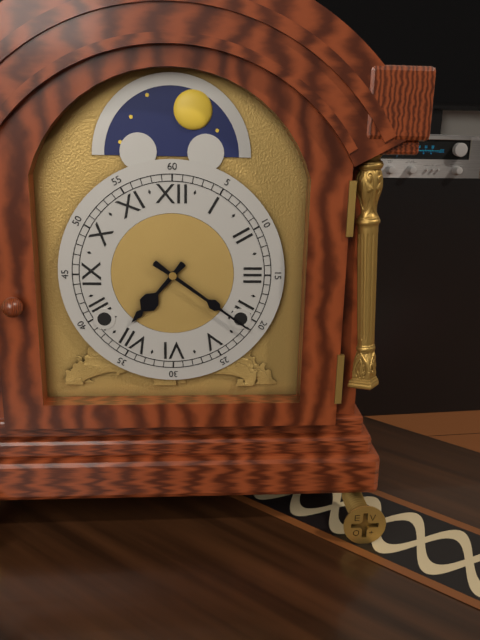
7.21
